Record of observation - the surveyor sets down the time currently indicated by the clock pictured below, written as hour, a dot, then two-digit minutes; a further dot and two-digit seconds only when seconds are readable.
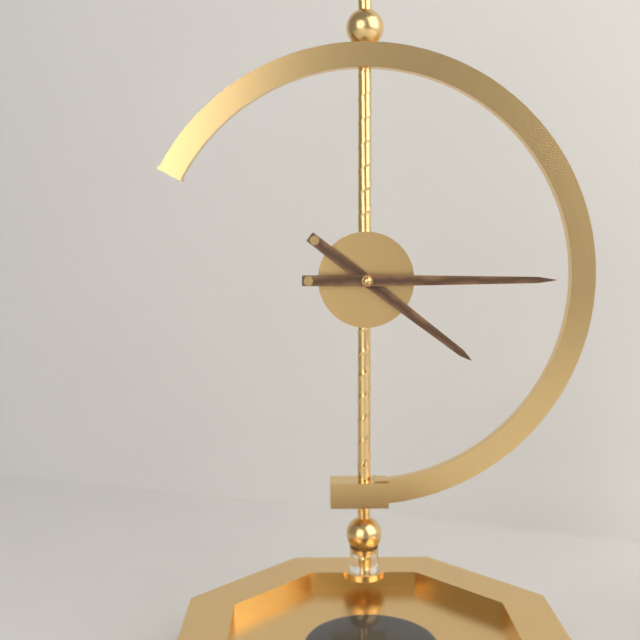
4.15
